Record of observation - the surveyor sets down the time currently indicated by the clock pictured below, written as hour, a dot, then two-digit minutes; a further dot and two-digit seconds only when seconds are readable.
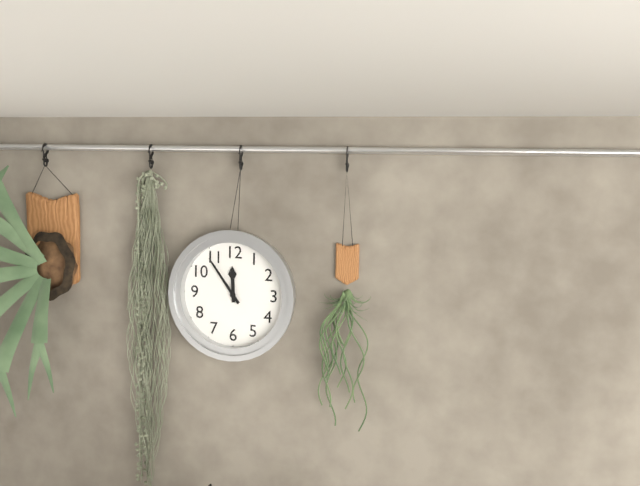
11.54
